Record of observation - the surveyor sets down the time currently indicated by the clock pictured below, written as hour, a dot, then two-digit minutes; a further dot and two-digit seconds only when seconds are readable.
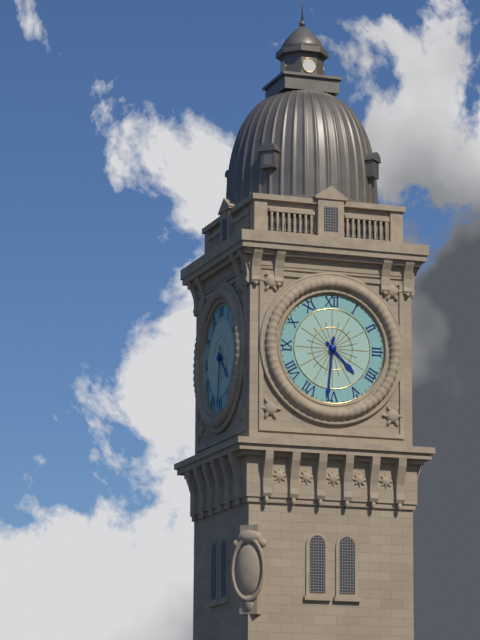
4.31
